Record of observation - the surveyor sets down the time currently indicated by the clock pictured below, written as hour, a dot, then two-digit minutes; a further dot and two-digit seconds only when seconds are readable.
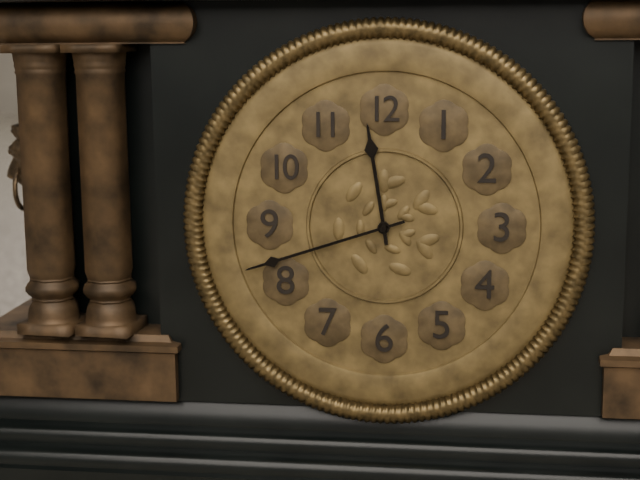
11.42
